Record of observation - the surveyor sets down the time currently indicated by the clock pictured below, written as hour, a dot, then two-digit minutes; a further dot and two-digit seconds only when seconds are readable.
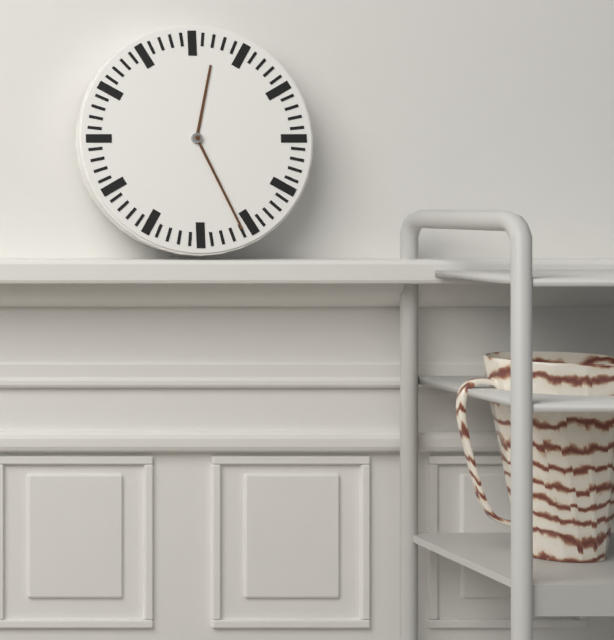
12.26
